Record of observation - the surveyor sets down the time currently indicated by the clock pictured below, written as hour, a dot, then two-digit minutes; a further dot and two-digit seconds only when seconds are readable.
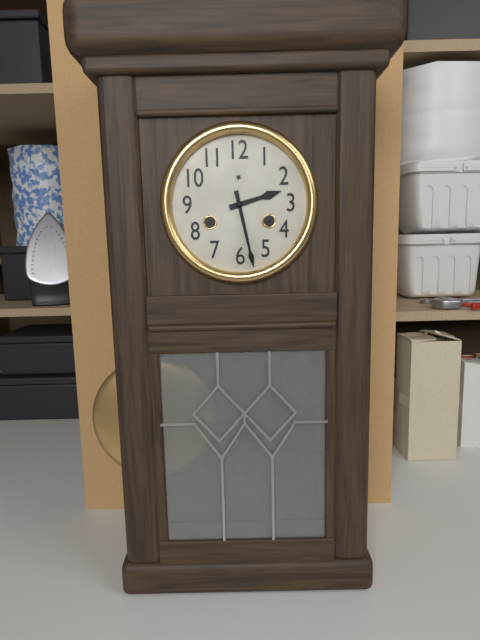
2.28
